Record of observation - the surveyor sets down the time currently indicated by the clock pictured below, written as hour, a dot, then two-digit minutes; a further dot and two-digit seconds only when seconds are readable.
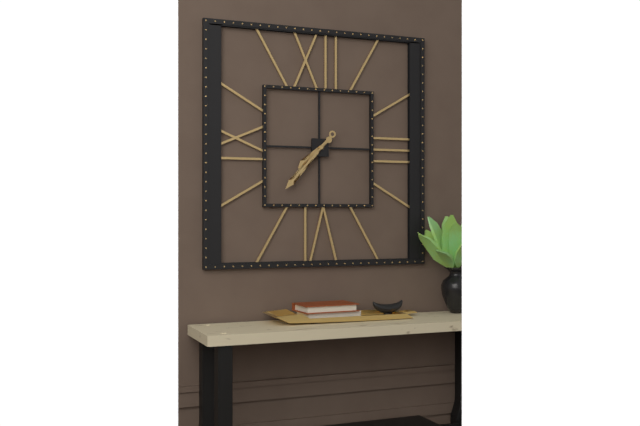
7.37
